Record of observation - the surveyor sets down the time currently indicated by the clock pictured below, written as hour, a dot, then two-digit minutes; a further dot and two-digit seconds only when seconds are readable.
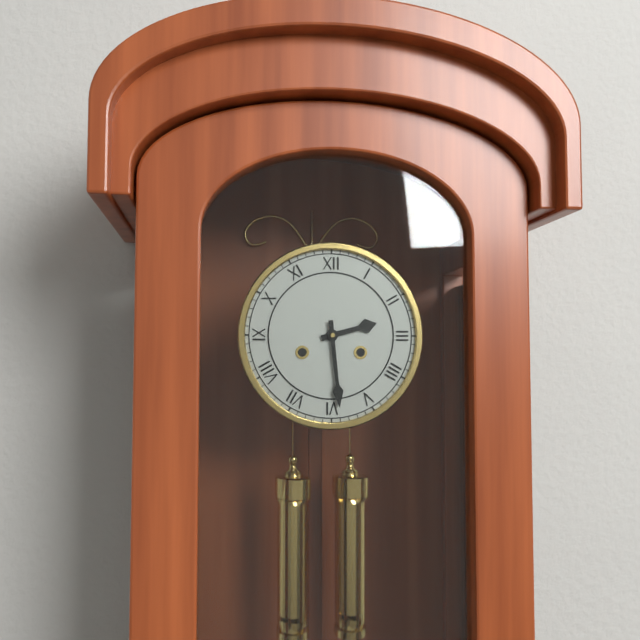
2.29
